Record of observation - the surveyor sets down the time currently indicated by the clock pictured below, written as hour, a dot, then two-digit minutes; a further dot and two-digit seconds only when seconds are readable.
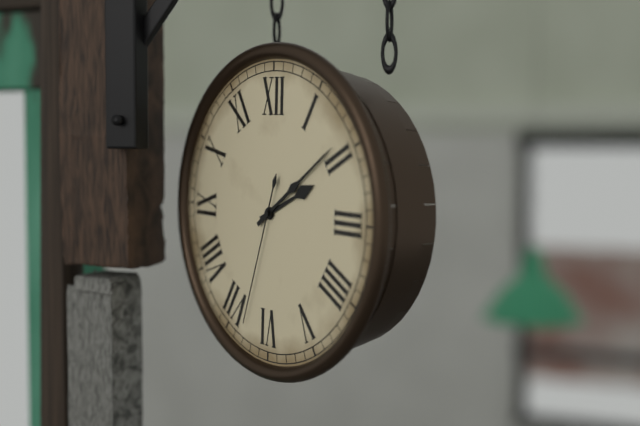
2.09.33
